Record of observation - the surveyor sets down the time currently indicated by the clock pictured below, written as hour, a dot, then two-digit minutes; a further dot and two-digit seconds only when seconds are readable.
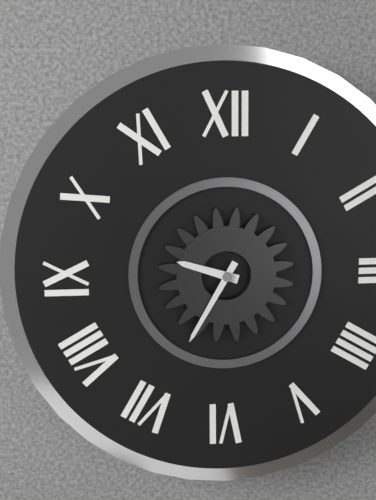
9.35
